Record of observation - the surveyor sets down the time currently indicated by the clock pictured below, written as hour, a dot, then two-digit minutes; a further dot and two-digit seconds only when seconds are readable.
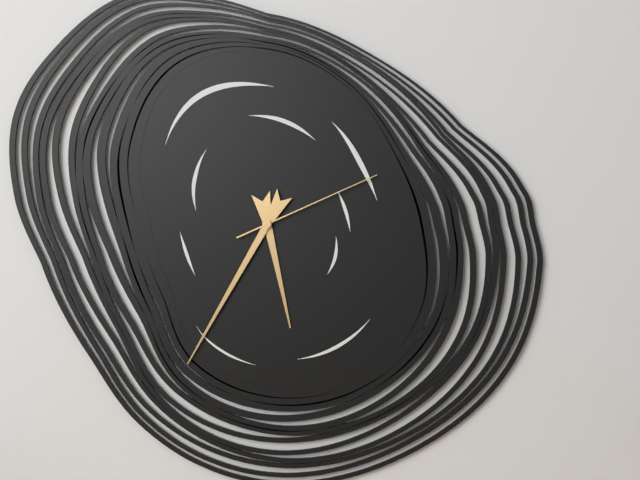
5.35.11
